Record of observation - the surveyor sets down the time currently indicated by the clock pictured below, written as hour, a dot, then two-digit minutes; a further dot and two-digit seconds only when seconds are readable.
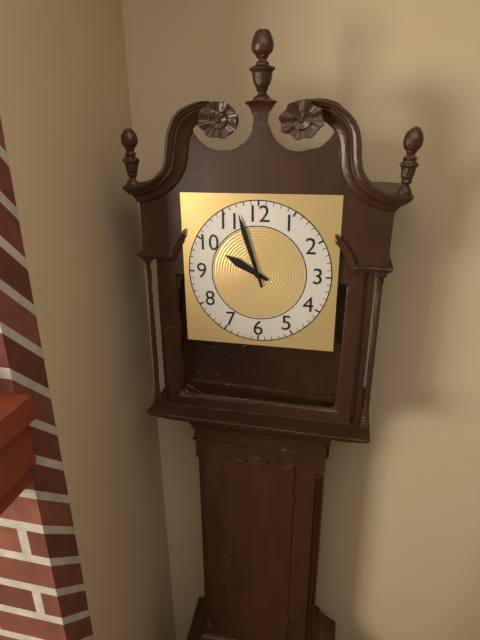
9.57
